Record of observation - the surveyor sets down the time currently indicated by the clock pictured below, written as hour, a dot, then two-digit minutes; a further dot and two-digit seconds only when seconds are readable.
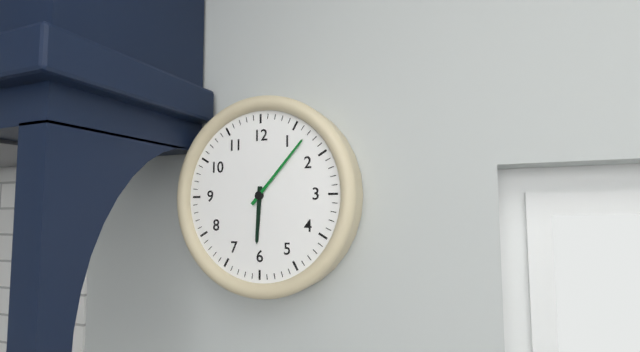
6.07
